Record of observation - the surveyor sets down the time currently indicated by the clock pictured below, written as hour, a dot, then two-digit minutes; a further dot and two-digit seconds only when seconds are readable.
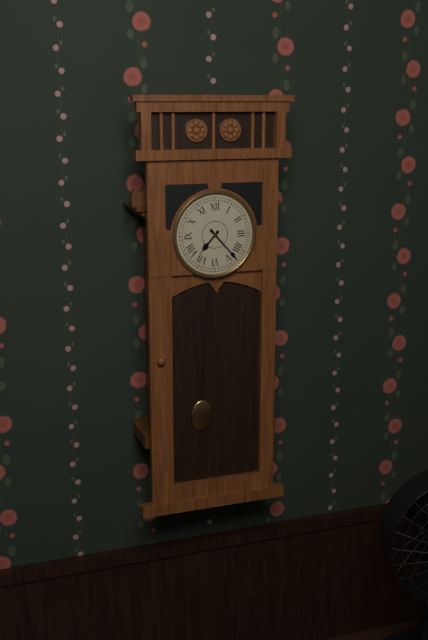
7.23
